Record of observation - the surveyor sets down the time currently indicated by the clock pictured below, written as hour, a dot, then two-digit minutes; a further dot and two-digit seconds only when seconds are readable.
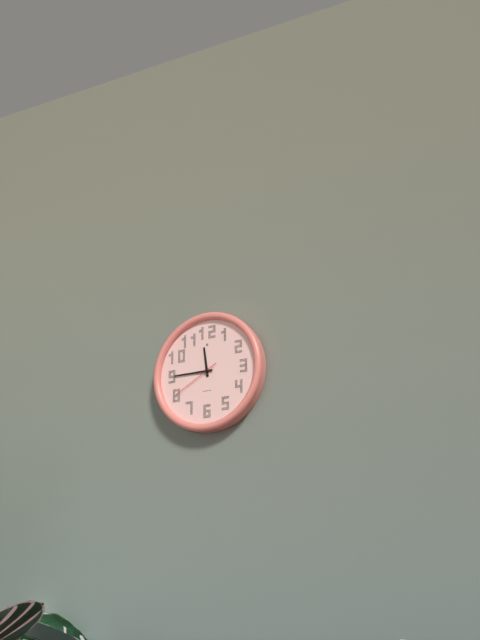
11.45
